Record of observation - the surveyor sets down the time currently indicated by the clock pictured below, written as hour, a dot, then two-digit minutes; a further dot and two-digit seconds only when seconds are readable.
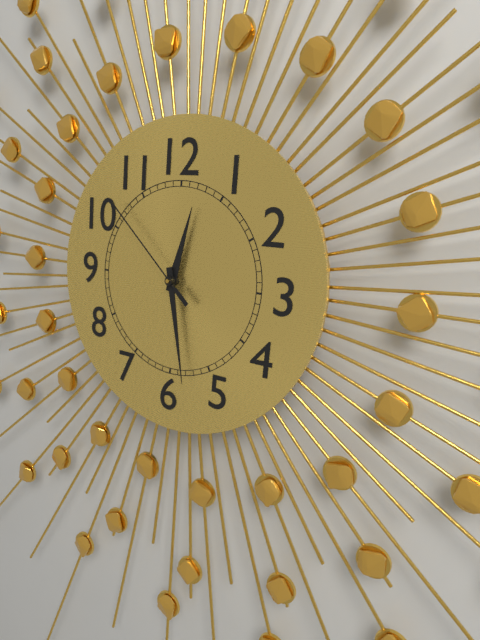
12.28.52
